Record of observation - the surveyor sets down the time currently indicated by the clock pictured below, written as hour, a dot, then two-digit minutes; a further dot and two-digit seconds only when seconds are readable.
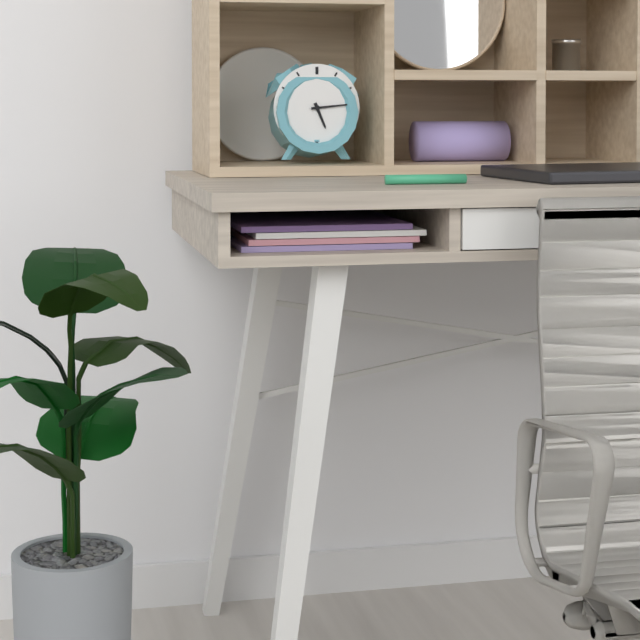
5.14
